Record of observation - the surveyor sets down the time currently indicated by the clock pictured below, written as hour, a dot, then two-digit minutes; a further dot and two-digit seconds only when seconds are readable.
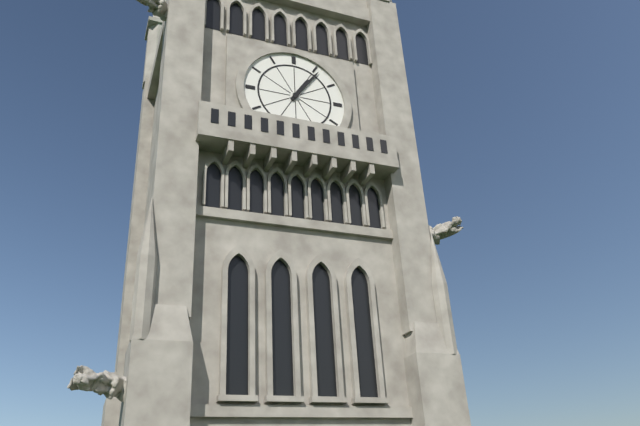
1.06
